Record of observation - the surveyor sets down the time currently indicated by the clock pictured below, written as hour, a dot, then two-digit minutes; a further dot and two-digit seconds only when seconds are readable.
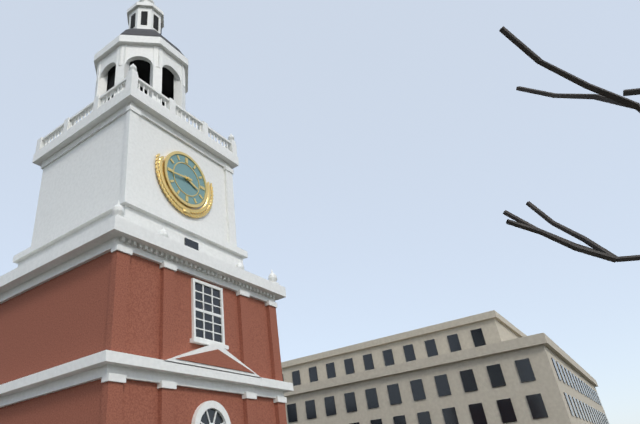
3.44
